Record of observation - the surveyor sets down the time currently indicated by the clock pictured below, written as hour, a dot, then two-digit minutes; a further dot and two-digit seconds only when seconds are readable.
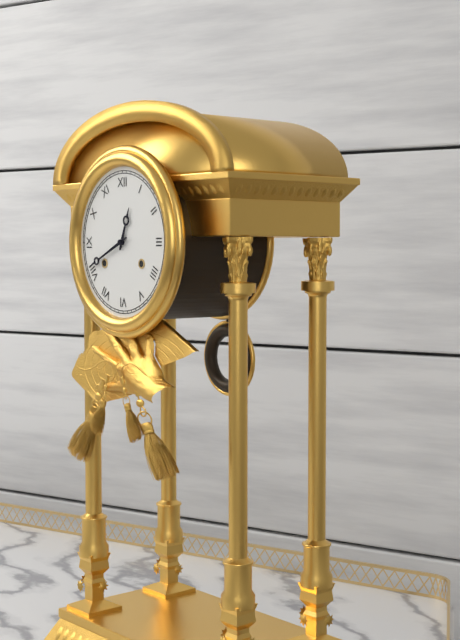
12.41
